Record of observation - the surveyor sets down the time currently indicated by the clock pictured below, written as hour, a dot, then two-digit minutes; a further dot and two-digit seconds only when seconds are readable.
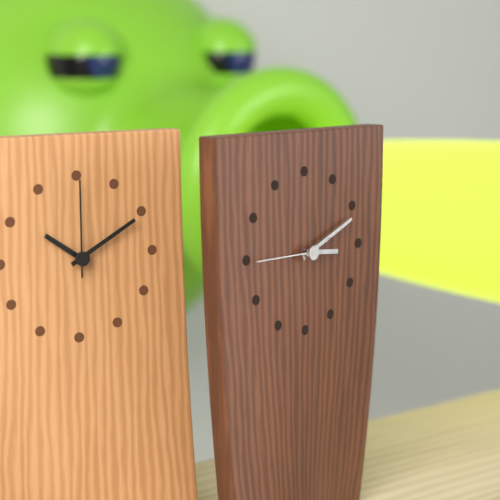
3.11.45
